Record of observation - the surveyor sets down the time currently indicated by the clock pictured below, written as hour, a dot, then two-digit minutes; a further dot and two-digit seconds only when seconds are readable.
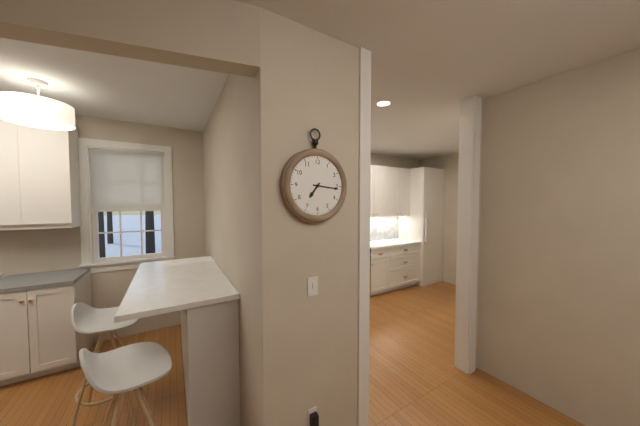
7.16
